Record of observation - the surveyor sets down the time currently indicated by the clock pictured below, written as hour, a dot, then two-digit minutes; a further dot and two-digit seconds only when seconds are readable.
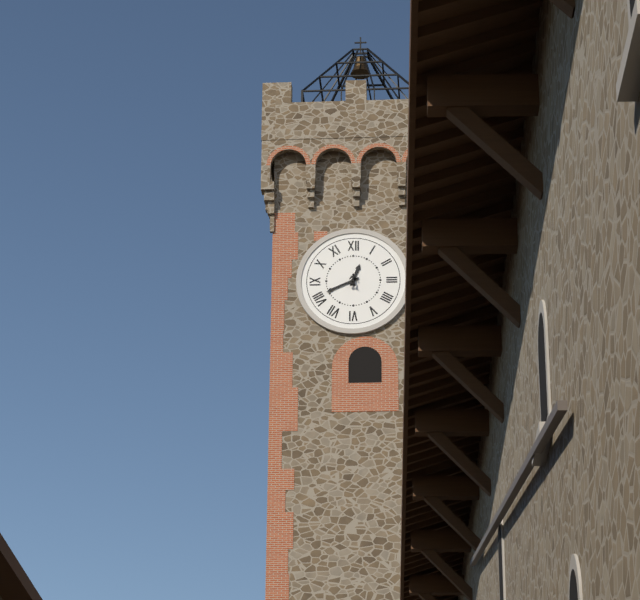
12.41
